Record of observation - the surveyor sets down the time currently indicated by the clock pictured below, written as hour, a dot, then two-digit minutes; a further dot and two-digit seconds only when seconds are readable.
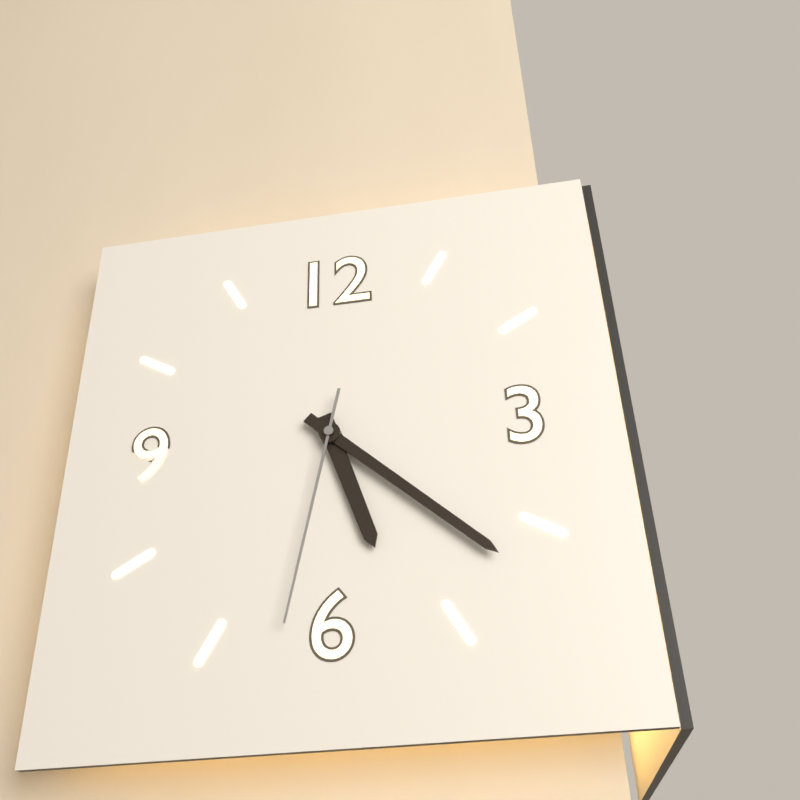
5.22.32
